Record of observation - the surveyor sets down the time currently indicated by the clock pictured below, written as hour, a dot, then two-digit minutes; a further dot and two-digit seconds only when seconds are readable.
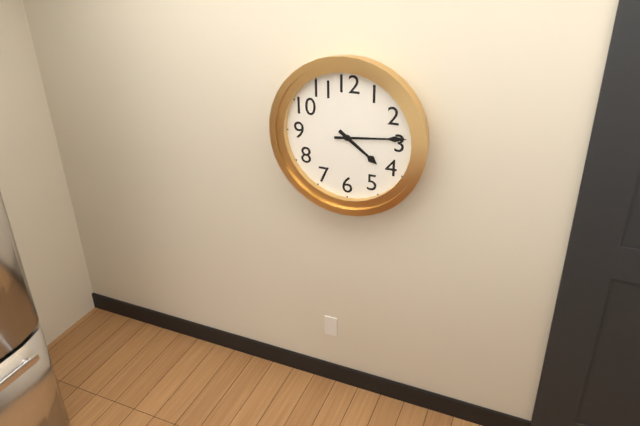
4.14
